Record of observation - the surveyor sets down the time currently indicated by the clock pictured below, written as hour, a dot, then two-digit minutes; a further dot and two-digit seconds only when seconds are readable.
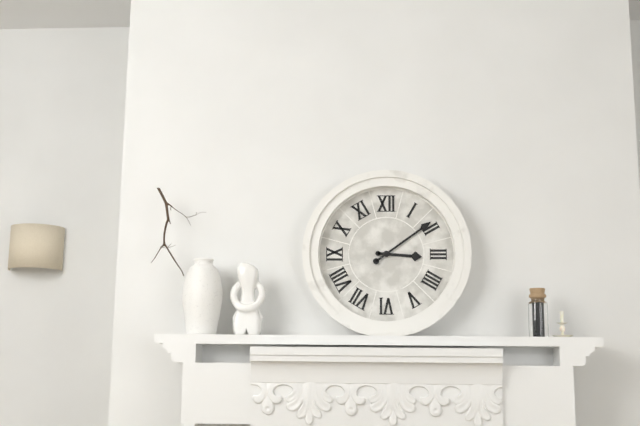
3.09
